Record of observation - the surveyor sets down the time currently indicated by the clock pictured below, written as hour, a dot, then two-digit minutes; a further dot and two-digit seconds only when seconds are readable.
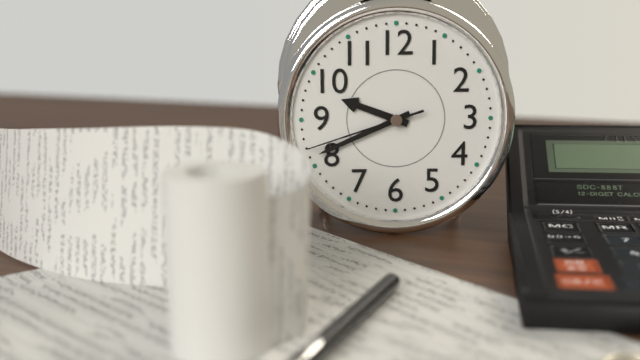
9.41.42
